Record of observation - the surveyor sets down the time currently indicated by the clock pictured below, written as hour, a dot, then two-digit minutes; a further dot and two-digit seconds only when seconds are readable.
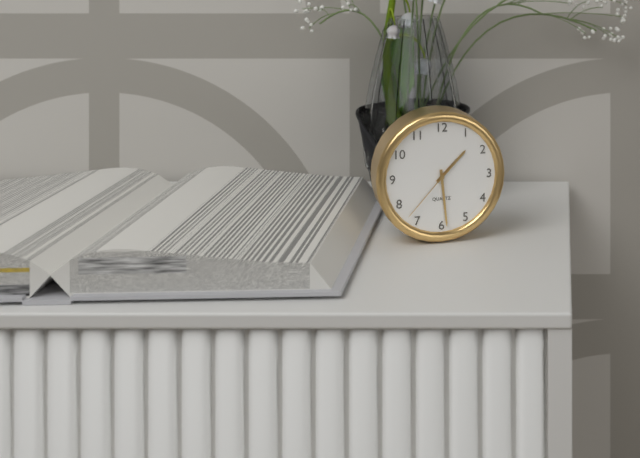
1.29.37
